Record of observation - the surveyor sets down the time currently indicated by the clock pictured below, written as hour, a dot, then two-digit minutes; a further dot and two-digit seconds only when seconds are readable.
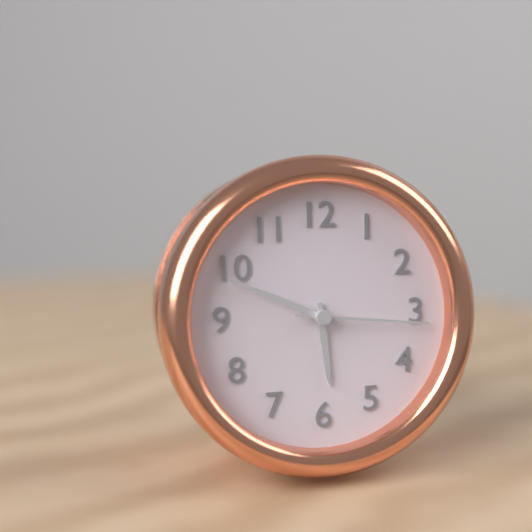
5.49.16
